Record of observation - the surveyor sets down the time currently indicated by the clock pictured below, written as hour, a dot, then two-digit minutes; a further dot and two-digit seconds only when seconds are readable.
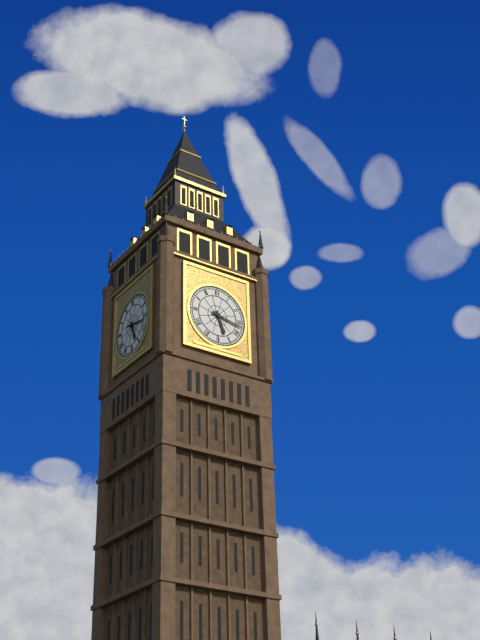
5.17
